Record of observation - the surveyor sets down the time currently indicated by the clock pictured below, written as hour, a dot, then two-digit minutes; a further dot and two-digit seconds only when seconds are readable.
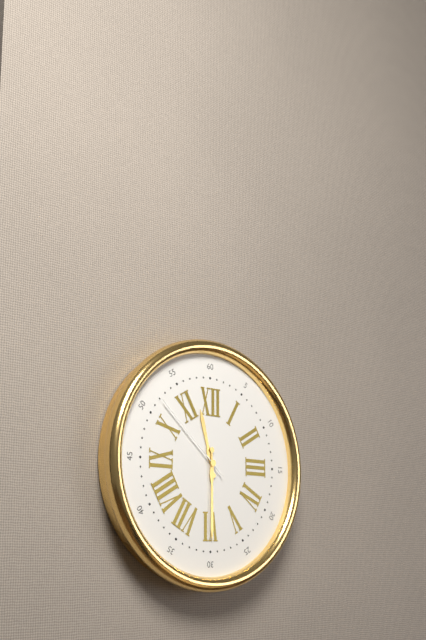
11.30.52
